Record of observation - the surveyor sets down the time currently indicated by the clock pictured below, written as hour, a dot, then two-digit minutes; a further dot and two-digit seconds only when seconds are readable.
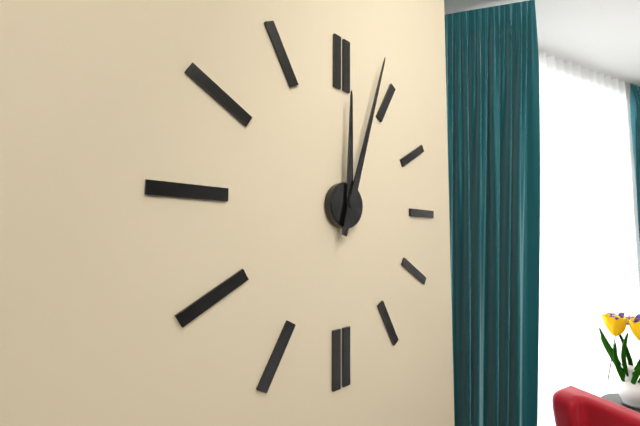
12.03
